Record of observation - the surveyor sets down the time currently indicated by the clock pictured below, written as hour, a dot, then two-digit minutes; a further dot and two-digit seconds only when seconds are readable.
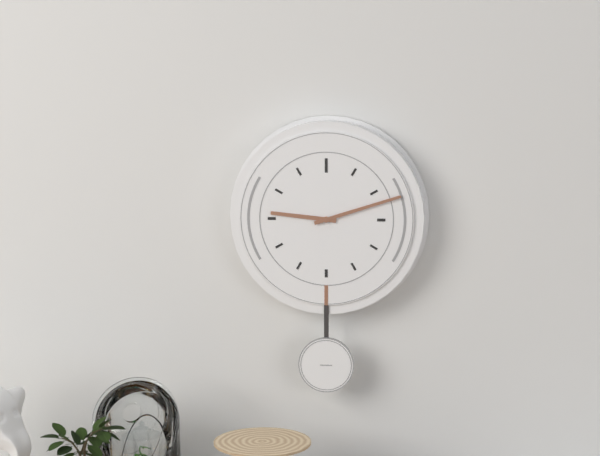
9.12
